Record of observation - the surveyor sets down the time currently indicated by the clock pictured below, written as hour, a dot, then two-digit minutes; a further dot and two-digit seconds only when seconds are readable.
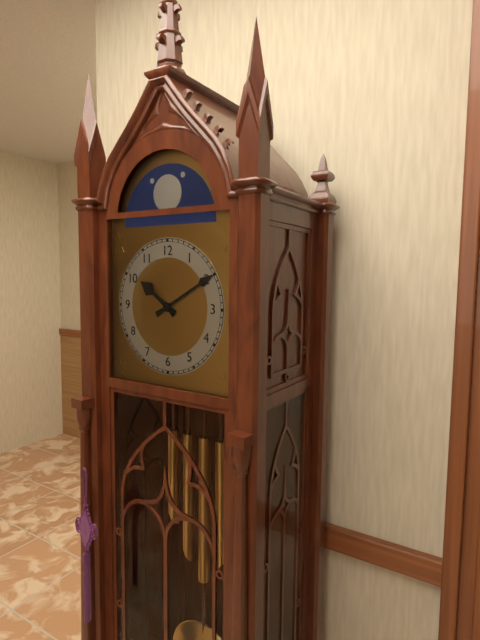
10.10
